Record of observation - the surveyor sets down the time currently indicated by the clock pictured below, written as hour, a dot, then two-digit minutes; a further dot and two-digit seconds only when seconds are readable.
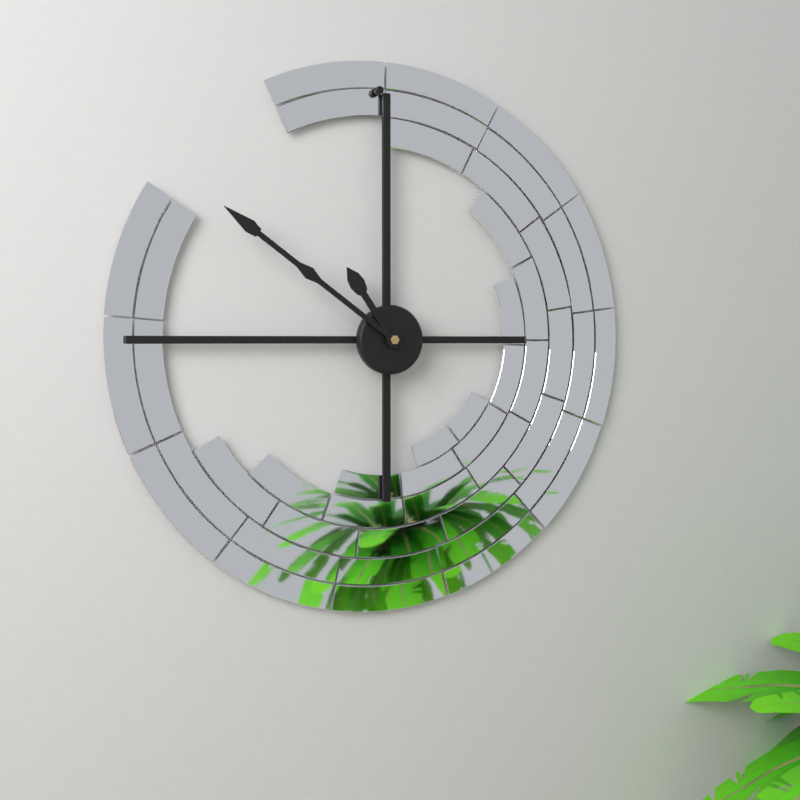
10.51
